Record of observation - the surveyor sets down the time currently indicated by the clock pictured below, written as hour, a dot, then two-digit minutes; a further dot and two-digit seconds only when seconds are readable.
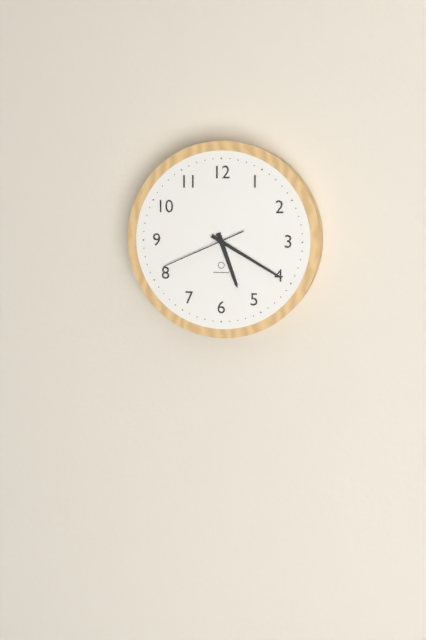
5.20.41
